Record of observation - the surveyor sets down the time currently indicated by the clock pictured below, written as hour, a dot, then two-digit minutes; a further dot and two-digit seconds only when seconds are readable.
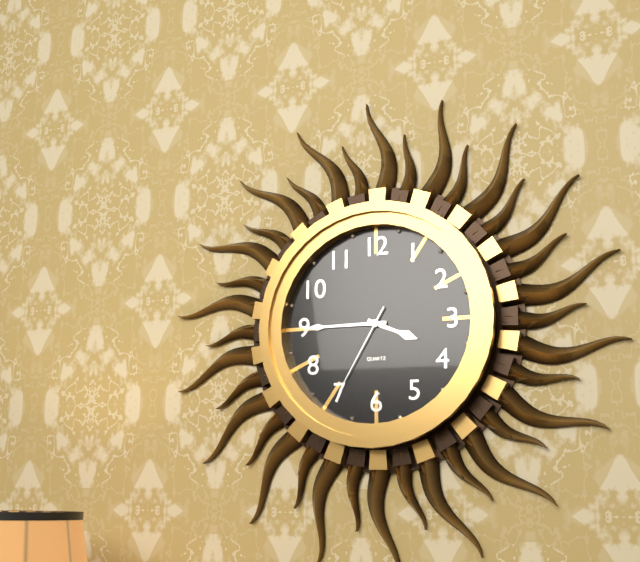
3.45.35
